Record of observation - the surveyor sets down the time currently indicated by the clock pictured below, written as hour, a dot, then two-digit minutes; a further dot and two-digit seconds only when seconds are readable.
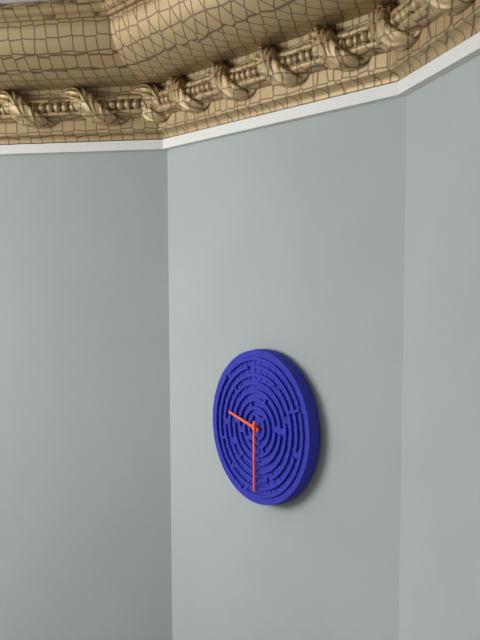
9.30
